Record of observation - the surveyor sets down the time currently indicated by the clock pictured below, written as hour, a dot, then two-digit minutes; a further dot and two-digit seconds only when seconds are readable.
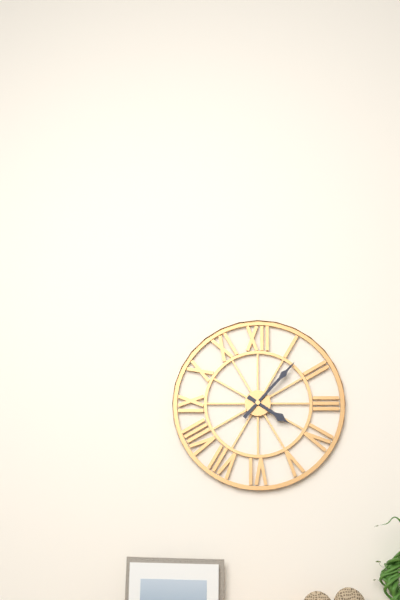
4.07
